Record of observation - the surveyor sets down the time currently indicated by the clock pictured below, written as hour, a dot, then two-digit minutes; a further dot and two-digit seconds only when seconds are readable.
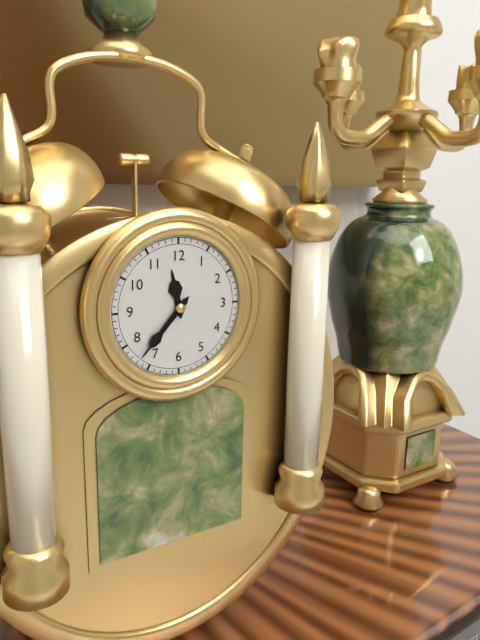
11.37
